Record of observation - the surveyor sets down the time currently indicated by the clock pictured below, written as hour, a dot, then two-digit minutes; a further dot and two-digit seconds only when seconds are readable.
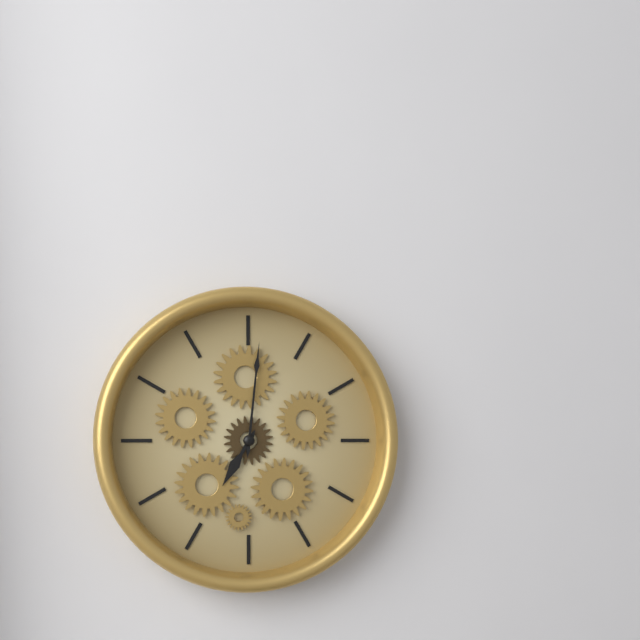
7.01
